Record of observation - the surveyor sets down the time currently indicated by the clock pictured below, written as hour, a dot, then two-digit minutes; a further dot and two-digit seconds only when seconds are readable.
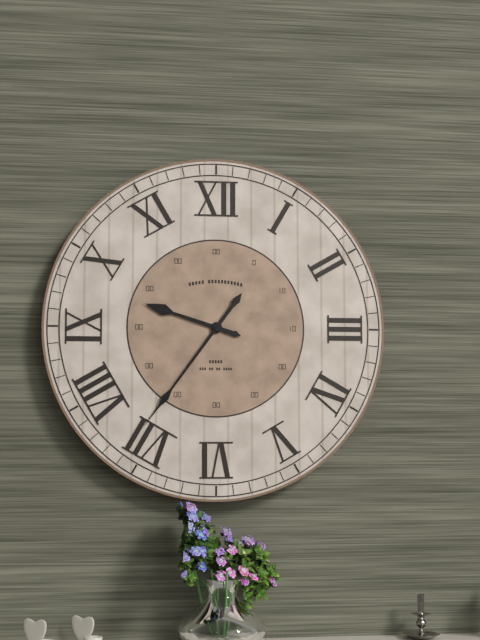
9.36
